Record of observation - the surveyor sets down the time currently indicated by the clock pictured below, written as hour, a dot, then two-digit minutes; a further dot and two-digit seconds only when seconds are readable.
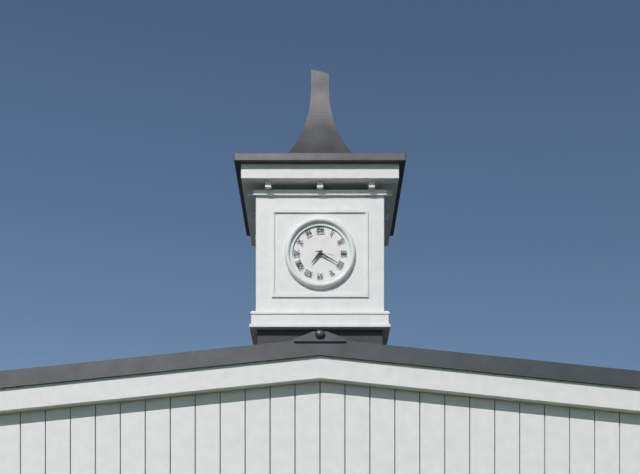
7.20
